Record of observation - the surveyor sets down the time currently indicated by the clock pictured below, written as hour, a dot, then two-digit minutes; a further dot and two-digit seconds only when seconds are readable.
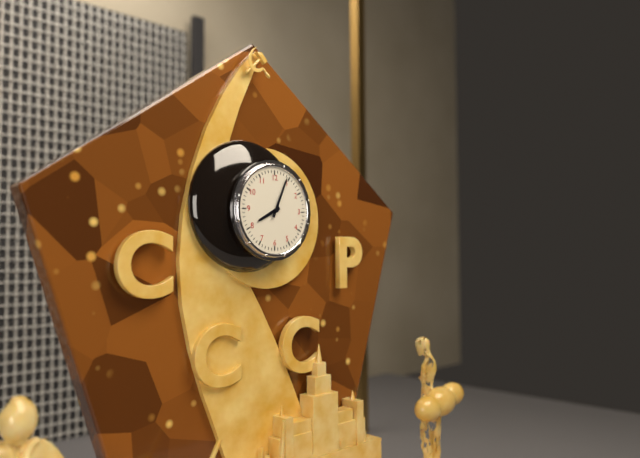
8.04
